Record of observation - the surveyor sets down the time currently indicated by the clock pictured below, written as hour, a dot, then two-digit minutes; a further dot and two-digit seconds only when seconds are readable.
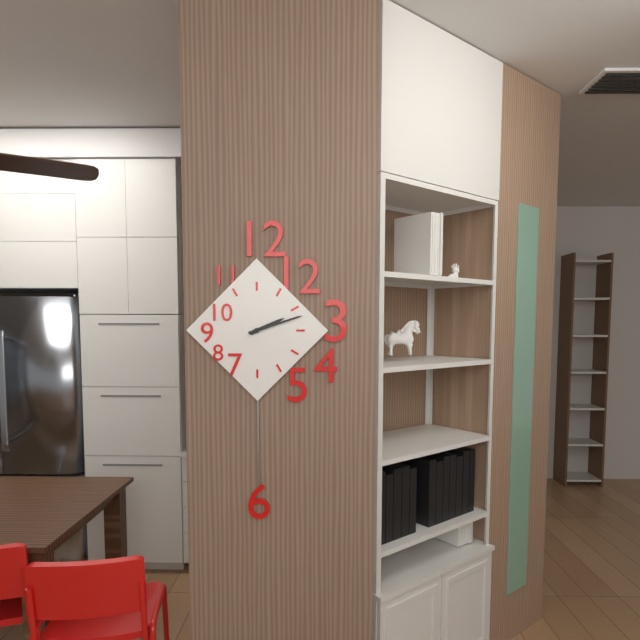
2.12
